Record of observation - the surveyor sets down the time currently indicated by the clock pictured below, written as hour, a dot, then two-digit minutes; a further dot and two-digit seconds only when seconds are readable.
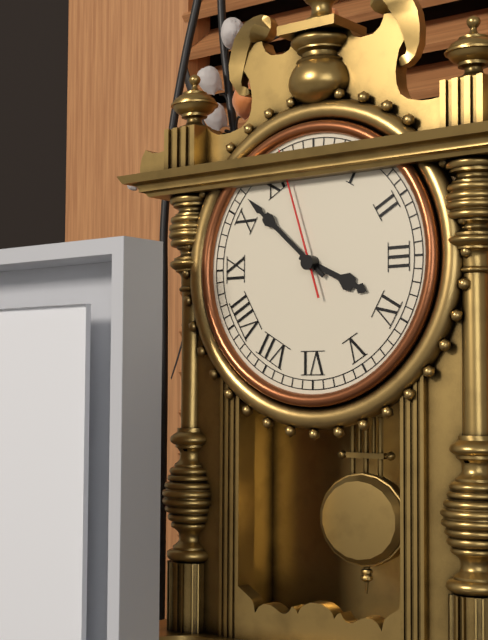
3.52.57
